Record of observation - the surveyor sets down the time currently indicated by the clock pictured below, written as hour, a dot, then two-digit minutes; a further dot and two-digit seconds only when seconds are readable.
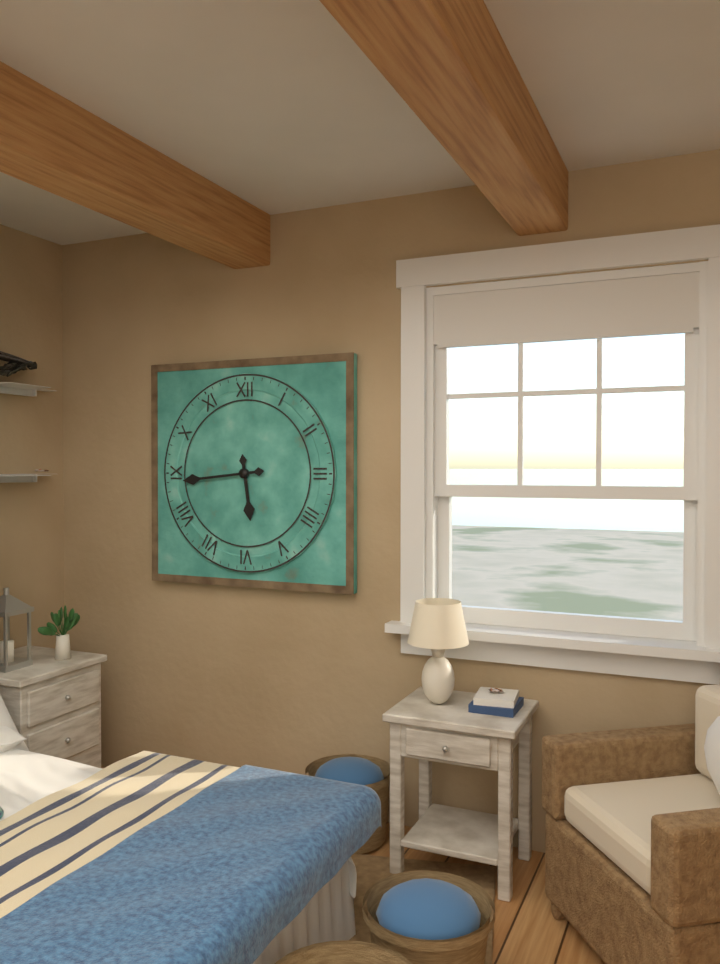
5.44
